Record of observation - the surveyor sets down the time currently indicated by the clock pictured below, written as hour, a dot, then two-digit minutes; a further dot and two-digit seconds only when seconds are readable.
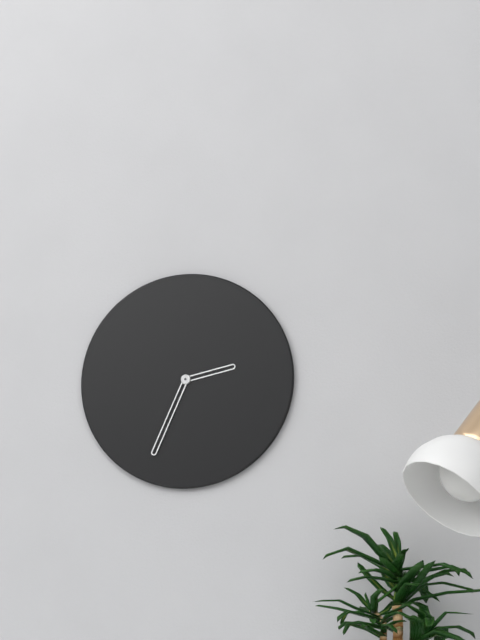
2.34
